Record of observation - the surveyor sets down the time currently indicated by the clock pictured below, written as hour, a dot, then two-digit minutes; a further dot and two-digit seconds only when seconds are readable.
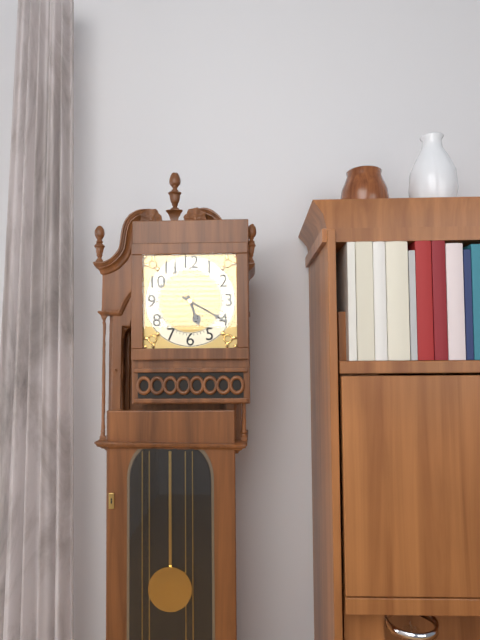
5.20
